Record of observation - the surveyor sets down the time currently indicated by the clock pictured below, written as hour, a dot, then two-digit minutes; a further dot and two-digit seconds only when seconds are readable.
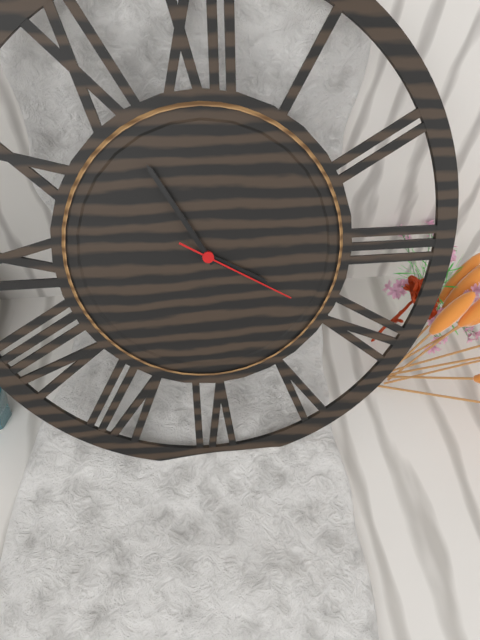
3.55.20
